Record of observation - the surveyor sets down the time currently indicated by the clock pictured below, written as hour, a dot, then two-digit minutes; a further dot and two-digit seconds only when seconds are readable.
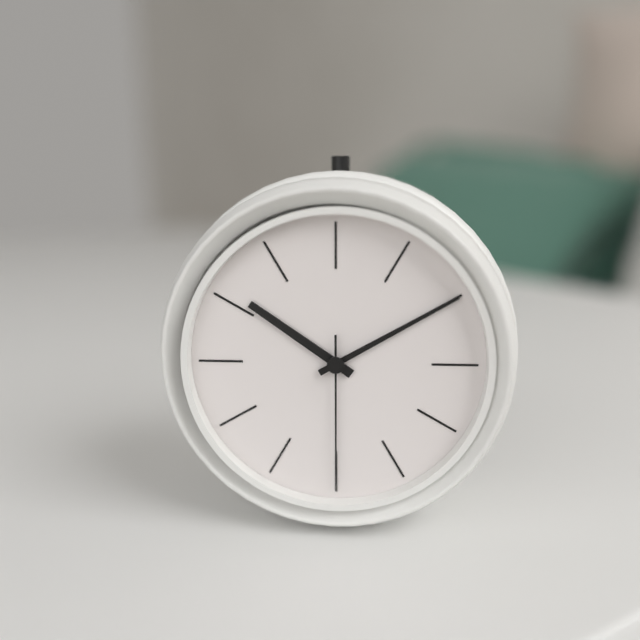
10.10.30
